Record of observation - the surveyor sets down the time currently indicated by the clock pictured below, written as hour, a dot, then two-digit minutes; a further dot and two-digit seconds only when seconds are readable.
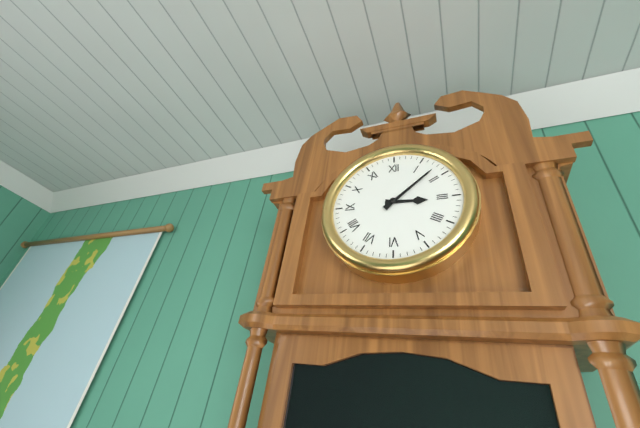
3.08
